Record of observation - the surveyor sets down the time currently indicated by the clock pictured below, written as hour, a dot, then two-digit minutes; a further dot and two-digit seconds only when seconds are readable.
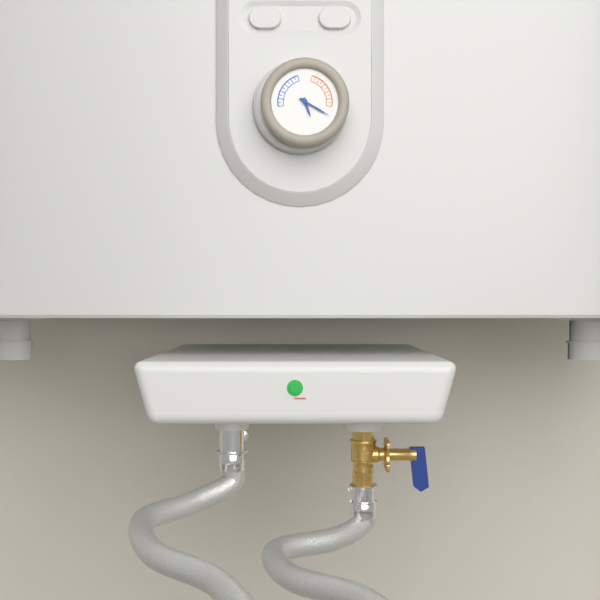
5.20
